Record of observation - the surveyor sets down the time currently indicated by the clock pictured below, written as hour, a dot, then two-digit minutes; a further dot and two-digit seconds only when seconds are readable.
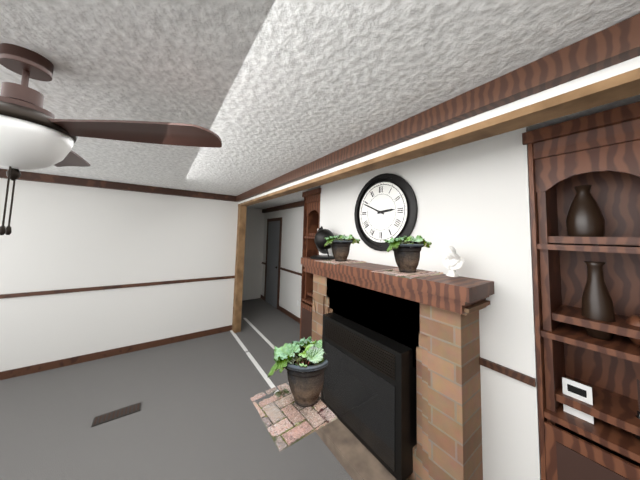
2.49
